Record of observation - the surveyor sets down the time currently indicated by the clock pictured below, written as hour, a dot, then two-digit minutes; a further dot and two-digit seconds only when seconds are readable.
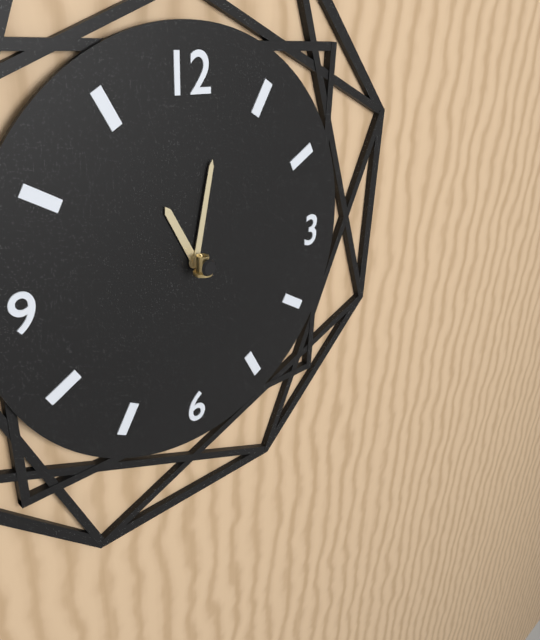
11.02
